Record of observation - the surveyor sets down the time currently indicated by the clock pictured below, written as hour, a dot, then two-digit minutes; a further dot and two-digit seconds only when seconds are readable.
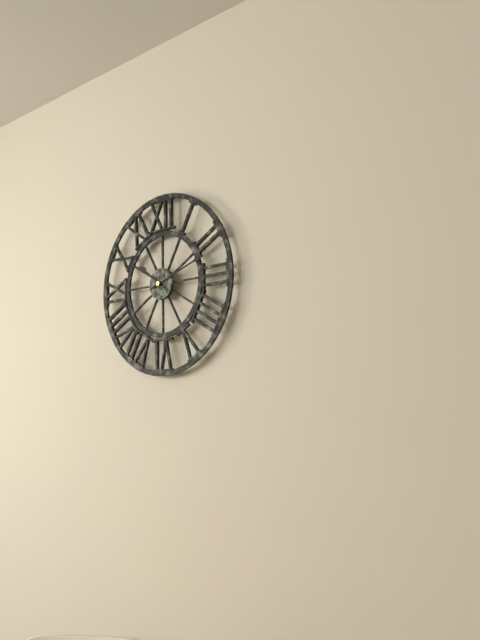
10.12
